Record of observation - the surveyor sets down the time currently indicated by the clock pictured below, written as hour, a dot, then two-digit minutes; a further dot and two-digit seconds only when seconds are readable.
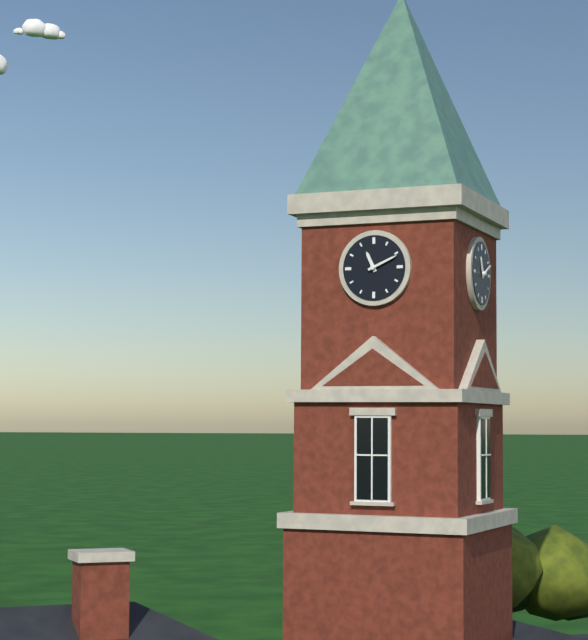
11.11
